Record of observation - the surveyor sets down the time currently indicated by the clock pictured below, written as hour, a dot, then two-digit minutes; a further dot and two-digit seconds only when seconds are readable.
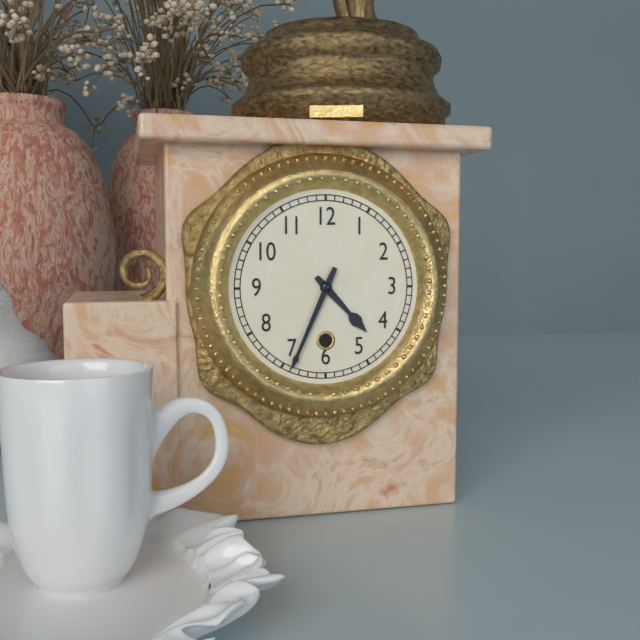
4.34
